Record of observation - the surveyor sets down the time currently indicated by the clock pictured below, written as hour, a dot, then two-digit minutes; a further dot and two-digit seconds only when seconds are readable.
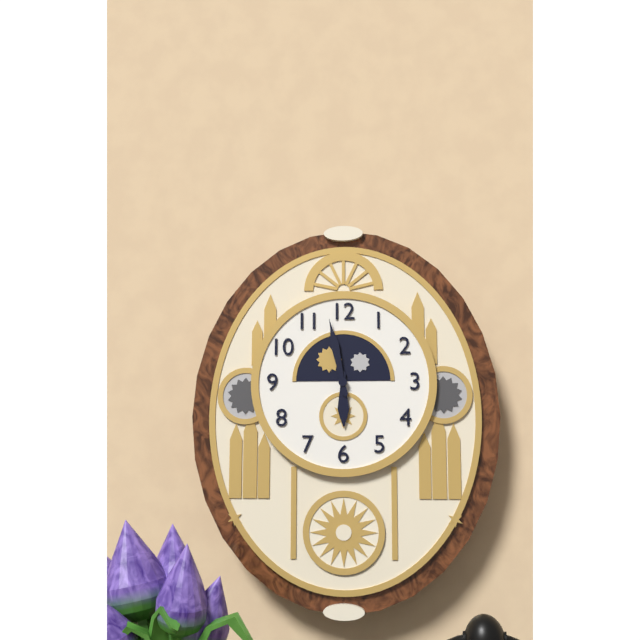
5.58
